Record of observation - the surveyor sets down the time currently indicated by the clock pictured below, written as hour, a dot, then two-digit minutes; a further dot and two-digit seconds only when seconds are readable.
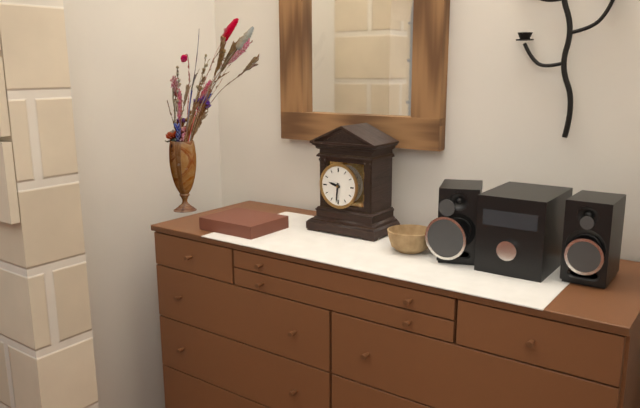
9.31
